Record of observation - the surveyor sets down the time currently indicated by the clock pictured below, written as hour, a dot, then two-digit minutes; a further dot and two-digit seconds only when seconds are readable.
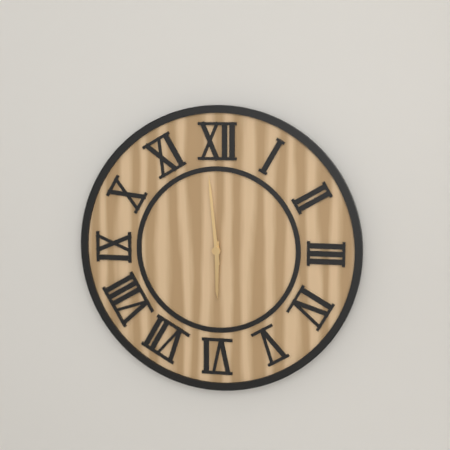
5.59
